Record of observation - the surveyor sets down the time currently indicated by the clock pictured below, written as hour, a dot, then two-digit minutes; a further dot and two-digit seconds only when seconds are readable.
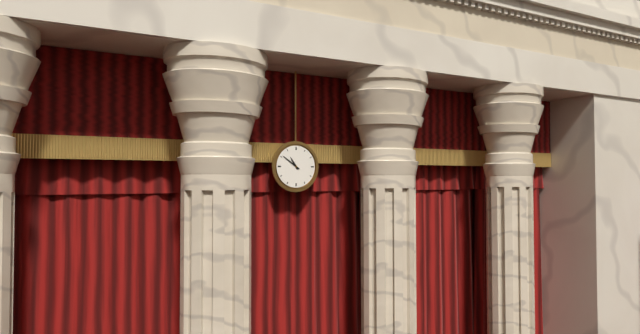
10.51
